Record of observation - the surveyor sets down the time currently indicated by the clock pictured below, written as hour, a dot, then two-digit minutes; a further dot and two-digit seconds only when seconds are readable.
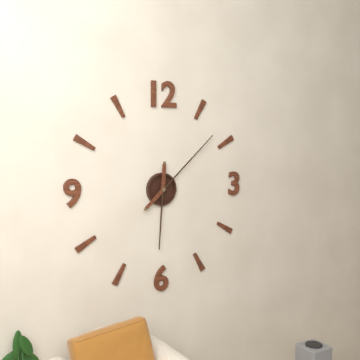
6.08
